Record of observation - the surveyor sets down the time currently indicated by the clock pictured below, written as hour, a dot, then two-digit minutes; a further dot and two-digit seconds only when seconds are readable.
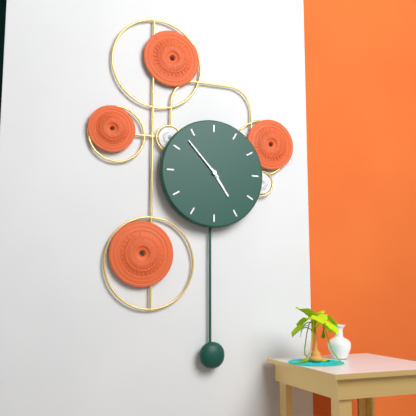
4.53
